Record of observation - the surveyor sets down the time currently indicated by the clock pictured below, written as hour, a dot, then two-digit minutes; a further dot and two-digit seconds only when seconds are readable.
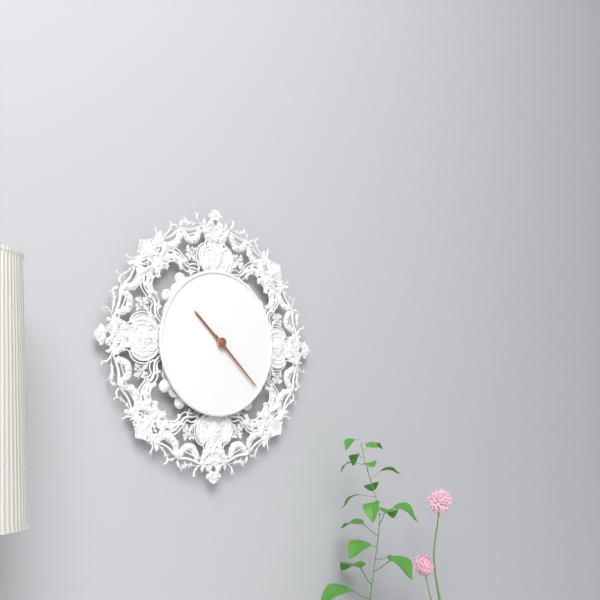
10.22
